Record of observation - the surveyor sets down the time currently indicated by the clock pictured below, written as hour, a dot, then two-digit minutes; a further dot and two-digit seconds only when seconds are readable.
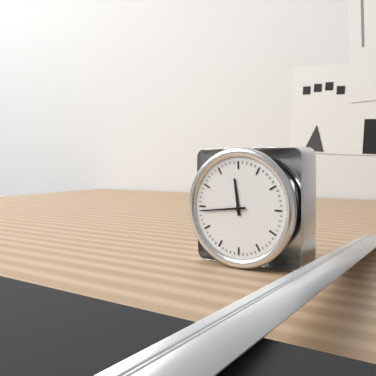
11.44
